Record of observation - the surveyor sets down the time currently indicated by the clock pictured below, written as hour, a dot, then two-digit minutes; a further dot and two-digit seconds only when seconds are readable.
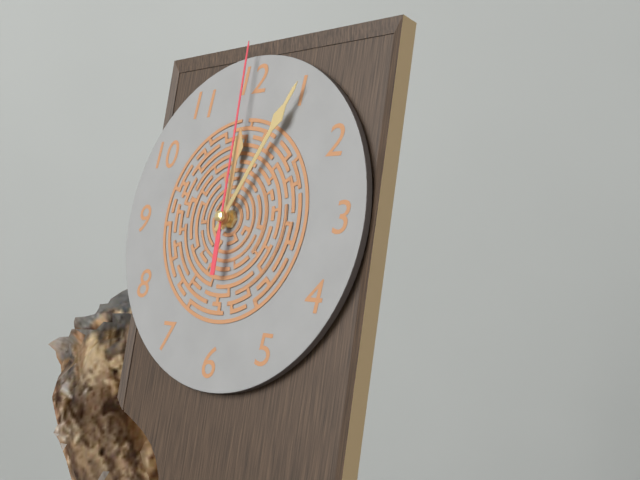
12.05.00
